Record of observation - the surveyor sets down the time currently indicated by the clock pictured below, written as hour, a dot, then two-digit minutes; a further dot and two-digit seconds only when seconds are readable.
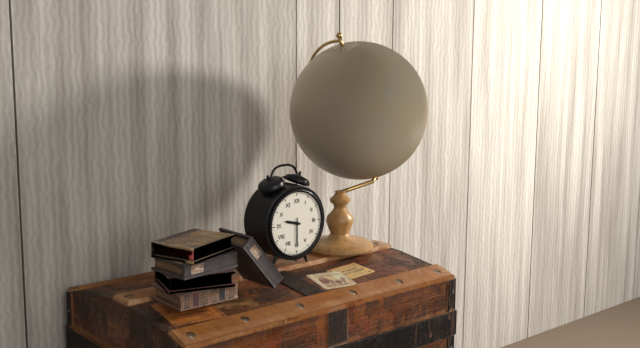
9.30
